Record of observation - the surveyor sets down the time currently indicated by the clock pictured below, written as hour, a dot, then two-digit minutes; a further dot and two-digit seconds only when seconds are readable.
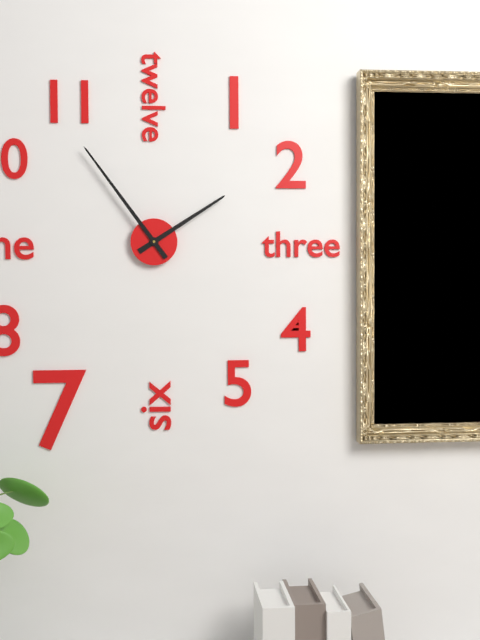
1.54
